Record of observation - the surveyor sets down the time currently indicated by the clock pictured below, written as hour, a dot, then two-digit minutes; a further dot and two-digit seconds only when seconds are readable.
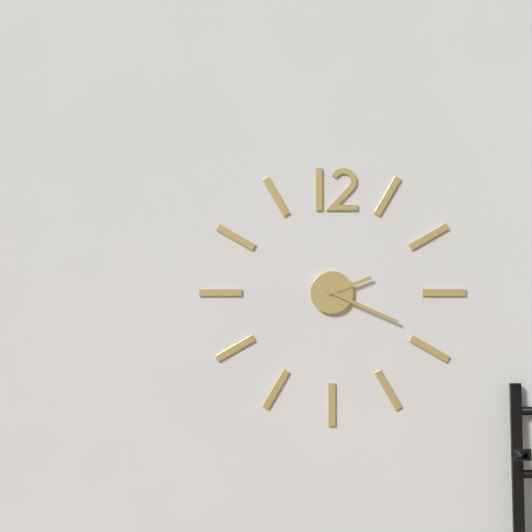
2.19
